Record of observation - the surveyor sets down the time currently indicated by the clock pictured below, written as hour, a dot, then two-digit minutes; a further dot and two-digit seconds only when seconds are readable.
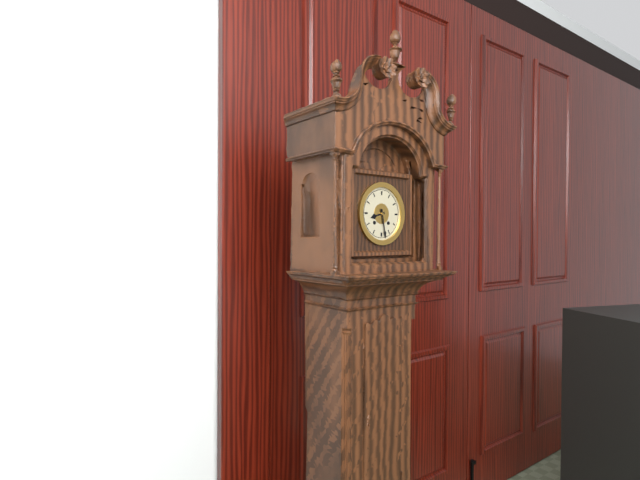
8.28
